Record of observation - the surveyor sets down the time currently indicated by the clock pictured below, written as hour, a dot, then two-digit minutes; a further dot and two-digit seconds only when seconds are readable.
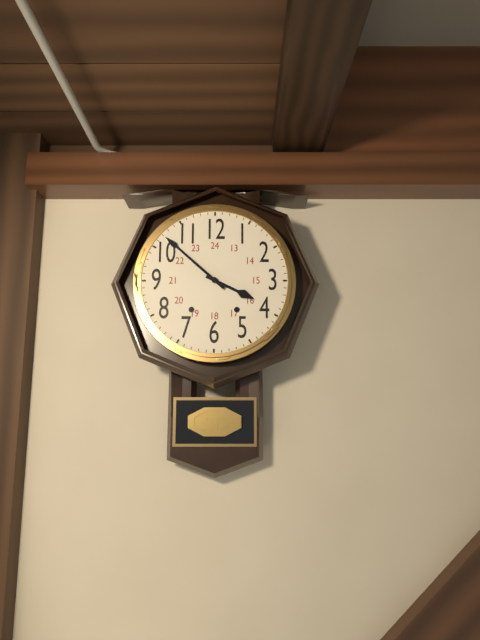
3.52
